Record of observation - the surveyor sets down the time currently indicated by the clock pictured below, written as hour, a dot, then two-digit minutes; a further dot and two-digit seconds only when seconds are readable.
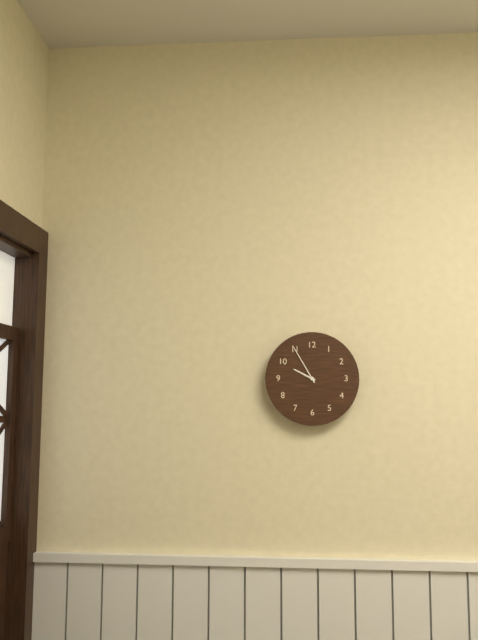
9.55
